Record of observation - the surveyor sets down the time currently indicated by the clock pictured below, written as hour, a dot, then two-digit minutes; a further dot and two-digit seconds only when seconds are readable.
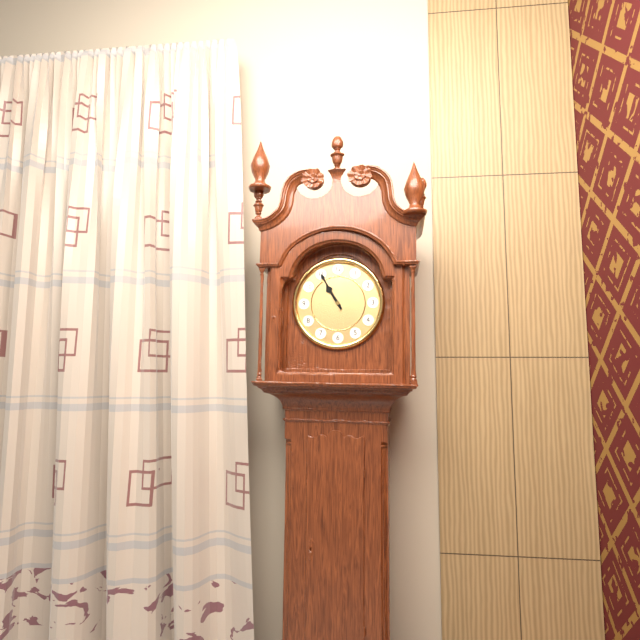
10.55
